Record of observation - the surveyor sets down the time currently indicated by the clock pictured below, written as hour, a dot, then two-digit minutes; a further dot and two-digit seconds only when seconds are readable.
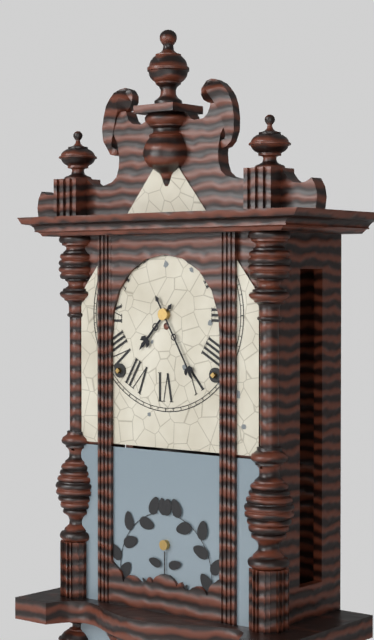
7.25
